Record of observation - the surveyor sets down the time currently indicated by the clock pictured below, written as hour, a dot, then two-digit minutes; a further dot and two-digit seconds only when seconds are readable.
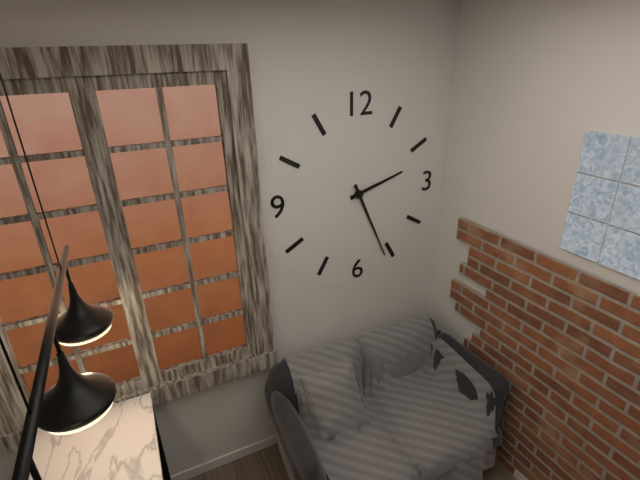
2.26
